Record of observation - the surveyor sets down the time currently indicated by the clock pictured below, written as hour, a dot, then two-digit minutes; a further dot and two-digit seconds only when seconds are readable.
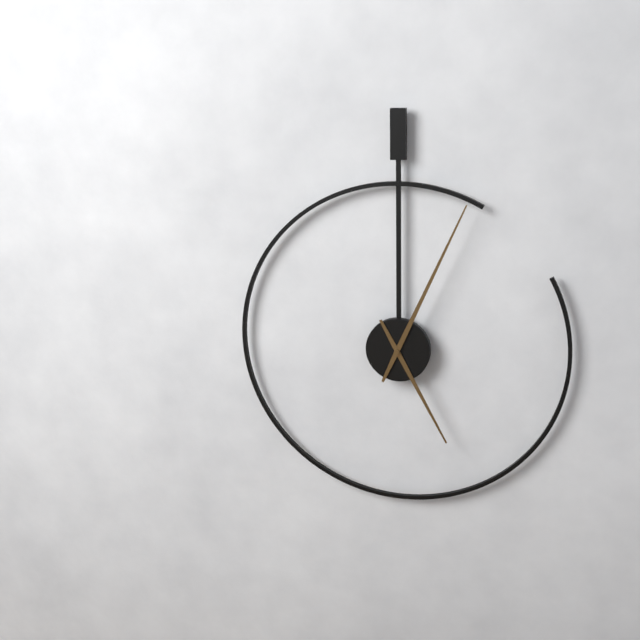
5.04
